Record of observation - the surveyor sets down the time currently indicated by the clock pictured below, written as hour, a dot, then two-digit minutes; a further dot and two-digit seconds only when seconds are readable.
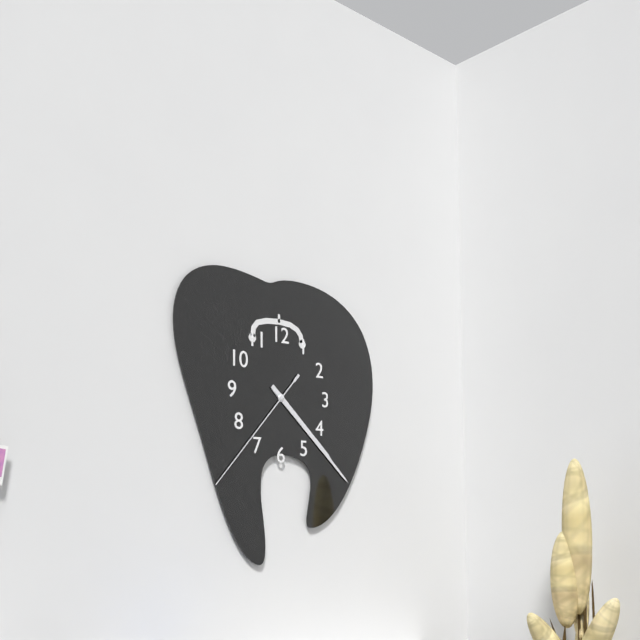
4.22.37
